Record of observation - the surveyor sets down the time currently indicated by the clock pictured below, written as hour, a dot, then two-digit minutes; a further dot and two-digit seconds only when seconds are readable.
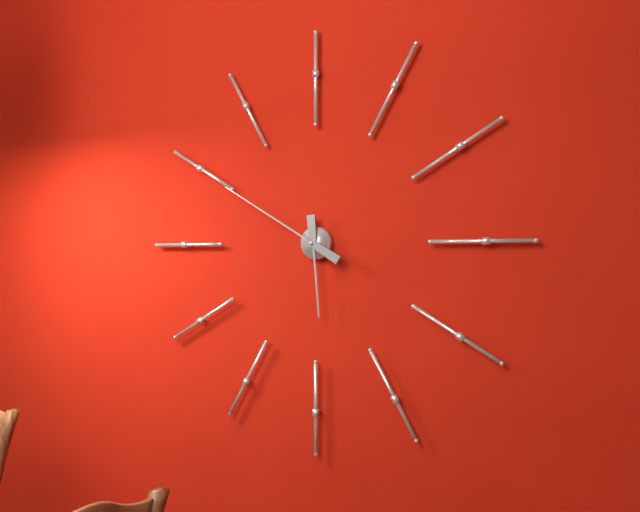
5.50
